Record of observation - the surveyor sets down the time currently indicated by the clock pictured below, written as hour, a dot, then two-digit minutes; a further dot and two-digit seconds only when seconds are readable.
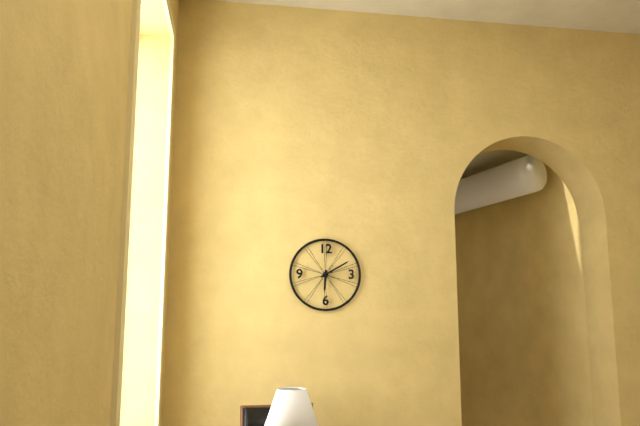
6.10
